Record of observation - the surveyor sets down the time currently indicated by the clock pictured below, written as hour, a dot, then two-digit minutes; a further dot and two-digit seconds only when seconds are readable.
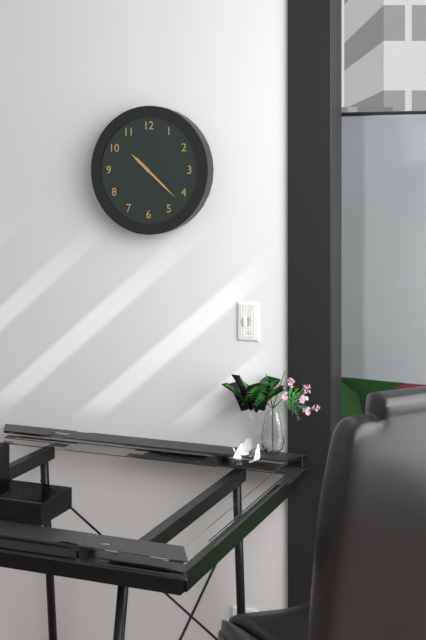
10.22
